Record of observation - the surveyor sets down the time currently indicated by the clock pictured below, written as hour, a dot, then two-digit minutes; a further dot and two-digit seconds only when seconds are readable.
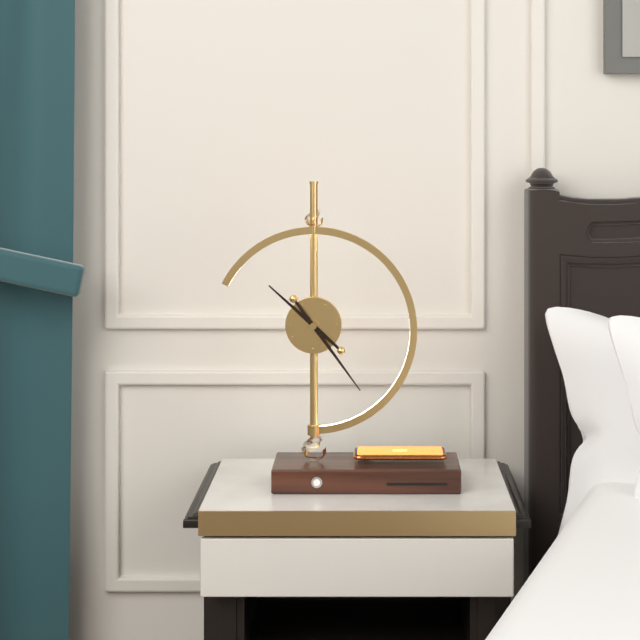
10.24
